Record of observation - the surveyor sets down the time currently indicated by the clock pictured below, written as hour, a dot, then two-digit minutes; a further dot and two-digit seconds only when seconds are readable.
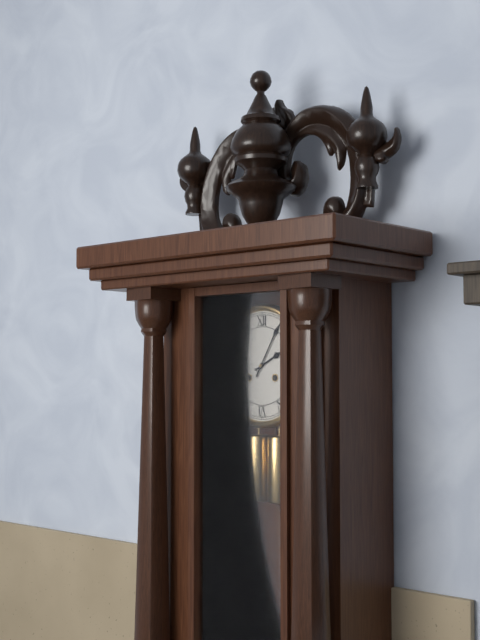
2.05
